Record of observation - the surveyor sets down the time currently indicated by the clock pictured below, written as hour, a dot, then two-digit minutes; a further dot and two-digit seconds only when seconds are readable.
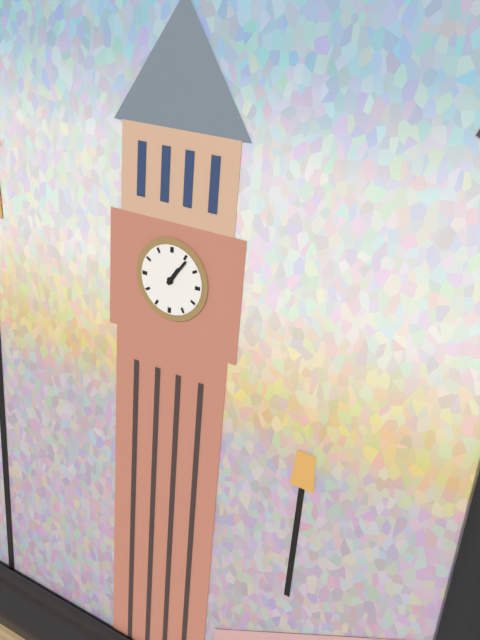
1.06
